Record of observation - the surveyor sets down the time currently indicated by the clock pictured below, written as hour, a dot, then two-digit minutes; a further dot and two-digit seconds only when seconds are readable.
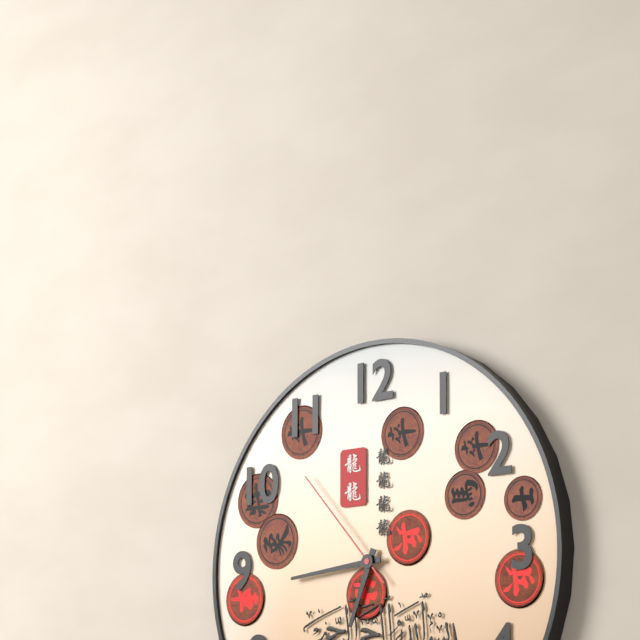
6.44.53
